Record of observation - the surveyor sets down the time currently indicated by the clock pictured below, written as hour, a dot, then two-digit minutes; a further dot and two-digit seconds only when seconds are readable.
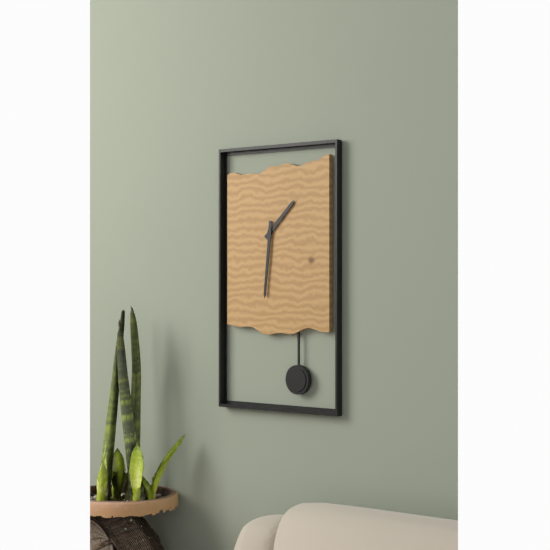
1.31
